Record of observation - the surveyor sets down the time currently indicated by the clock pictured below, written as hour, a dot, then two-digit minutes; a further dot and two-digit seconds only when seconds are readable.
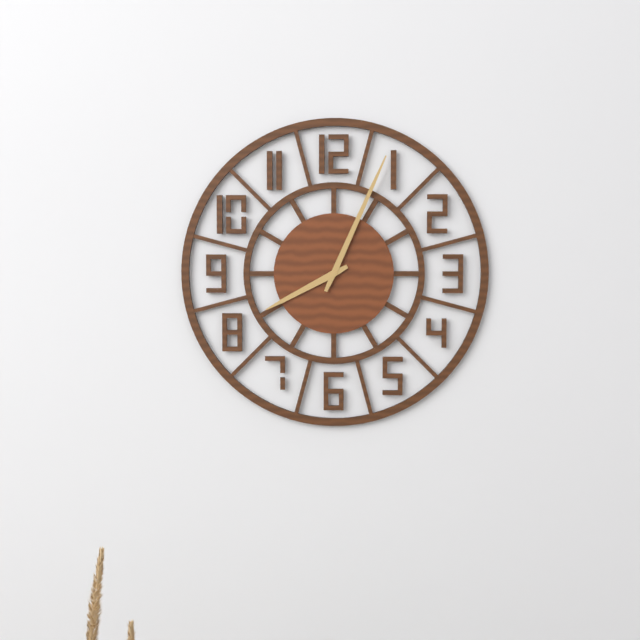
8.04
